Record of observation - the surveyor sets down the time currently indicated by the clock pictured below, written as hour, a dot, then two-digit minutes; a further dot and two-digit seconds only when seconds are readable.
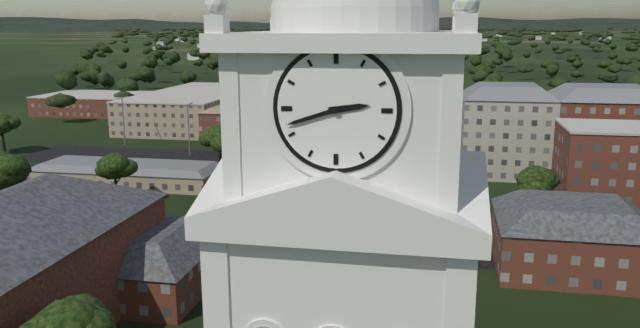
2.42
